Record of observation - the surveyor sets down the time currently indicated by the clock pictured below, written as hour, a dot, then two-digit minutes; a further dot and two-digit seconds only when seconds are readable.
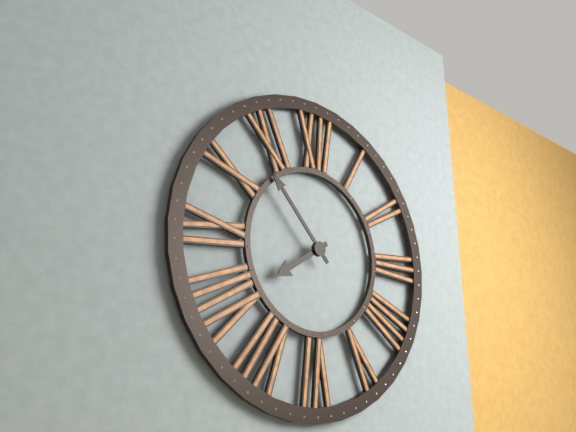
7.53
